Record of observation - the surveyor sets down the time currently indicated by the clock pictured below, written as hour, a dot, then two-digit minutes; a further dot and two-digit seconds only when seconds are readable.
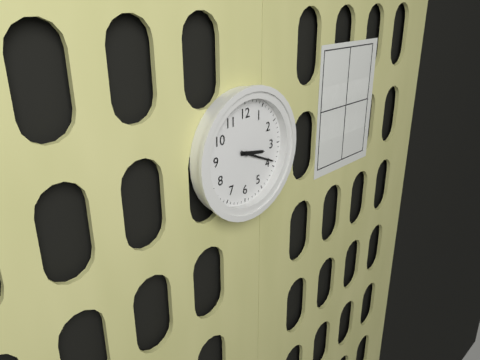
3.19
